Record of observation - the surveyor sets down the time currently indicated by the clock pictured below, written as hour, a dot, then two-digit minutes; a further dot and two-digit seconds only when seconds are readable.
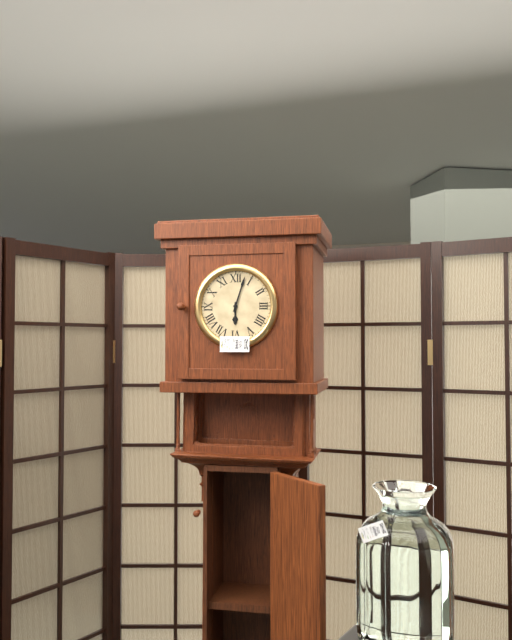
6.03
